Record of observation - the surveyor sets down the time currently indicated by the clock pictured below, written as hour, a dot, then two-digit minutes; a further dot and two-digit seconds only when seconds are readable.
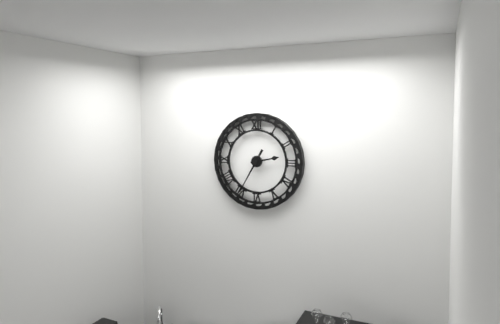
2.35
